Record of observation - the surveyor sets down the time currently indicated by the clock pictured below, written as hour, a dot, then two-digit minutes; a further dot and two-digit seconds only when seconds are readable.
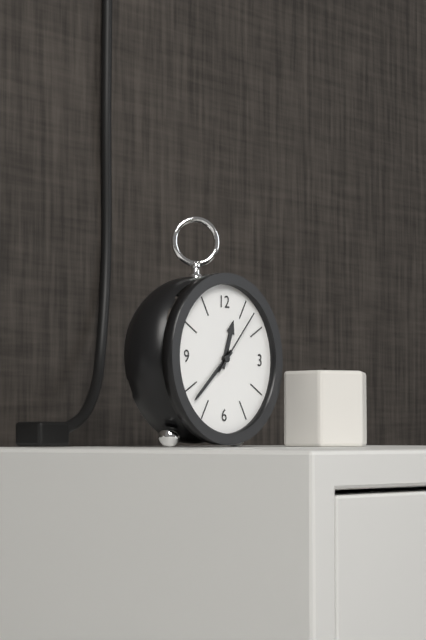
12.38.07
